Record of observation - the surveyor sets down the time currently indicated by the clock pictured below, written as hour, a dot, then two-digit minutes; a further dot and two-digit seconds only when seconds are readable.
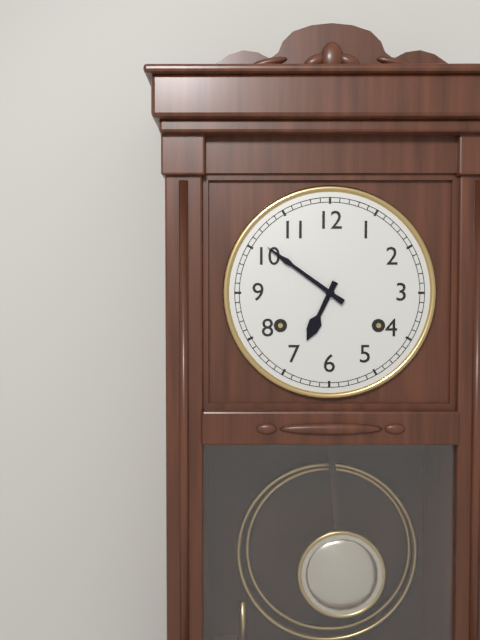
6.51
